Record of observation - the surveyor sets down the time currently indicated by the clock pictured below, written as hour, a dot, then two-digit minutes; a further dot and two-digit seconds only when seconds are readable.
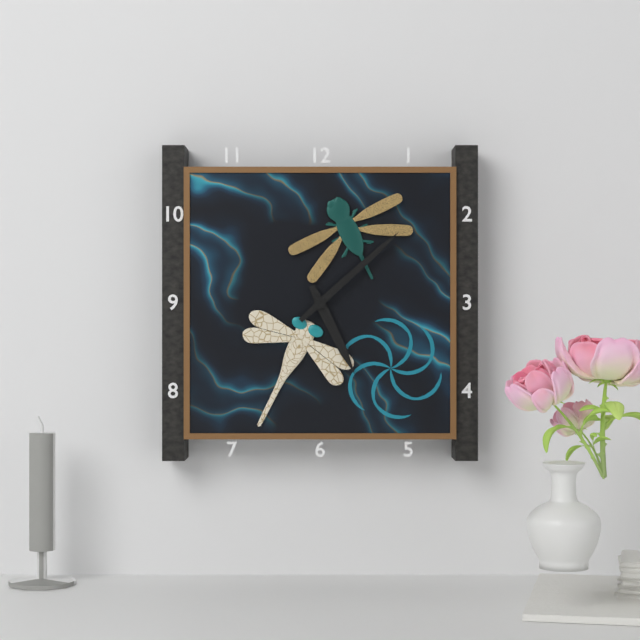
5.08
